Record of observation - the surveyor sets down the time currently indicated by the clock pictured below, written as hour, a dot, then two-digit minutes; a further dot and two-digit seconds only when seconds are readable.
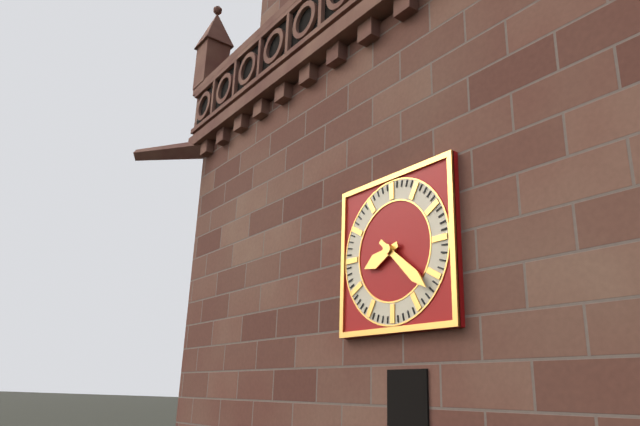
8.22
